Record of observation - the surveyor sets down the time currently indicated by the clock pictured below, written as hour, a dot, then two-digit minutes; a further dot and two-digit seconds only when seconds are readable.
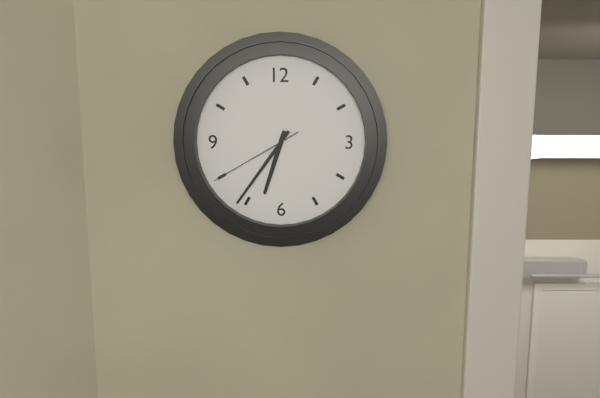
6.36.40
